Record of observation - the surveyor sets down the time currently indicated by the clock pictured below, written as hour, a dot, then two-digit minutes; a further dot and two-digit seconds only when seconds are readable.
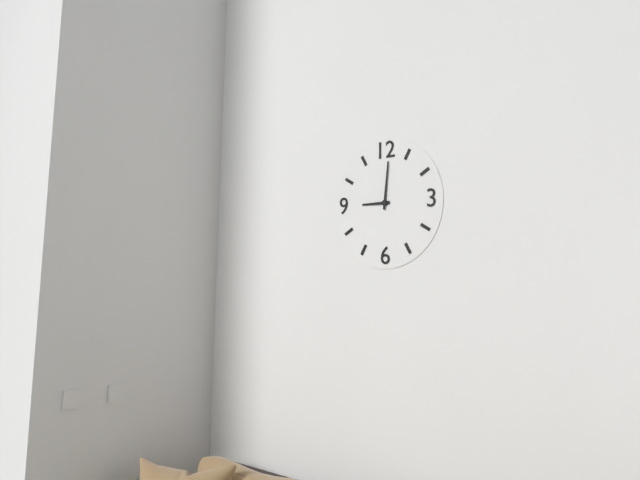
9.01
